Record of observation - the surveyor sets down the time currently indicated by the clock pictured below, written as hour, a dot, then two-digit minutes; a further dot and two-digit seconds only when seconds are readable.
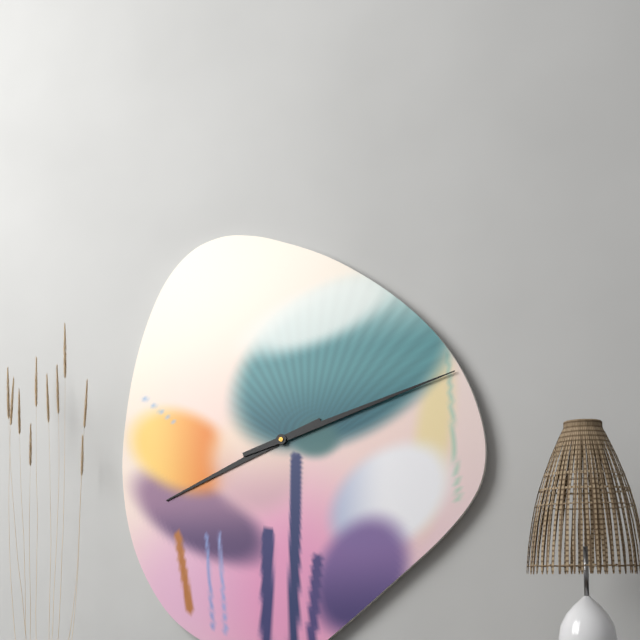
8.12
